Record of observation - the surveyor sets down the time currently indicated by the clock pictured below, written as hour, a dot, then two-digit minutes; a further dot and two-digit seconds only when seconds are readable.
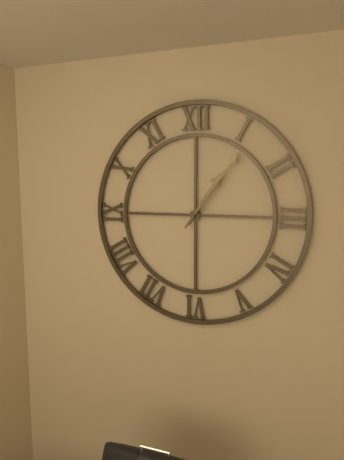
1.06
